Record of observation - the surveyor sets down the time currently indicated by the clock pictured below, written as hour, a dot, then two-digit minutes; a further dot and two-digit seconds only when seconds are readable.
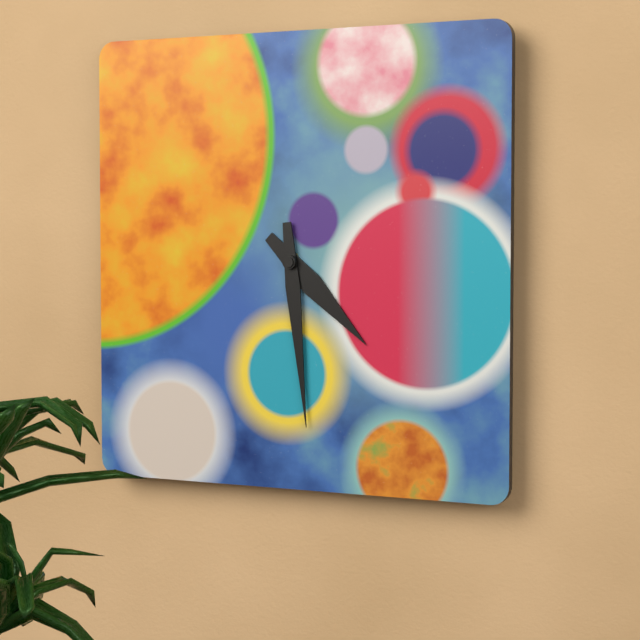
4.29
